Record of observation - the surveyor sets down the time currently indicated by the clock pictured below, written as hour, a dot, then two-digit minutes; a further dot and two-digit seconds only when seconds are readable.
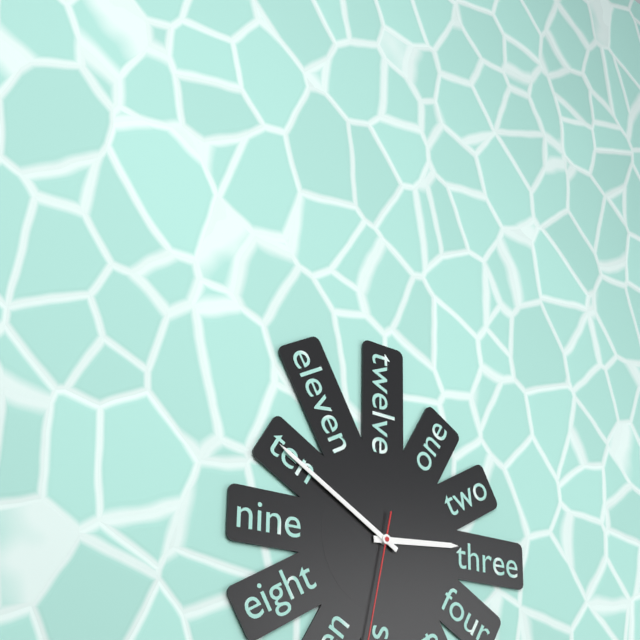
2.50
